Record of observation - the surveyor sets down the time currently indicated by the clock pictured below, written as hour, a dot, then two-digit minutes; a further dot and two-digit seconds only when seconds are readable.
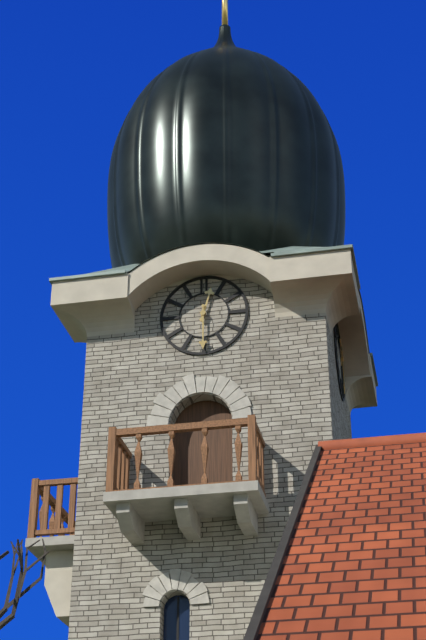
12.30
